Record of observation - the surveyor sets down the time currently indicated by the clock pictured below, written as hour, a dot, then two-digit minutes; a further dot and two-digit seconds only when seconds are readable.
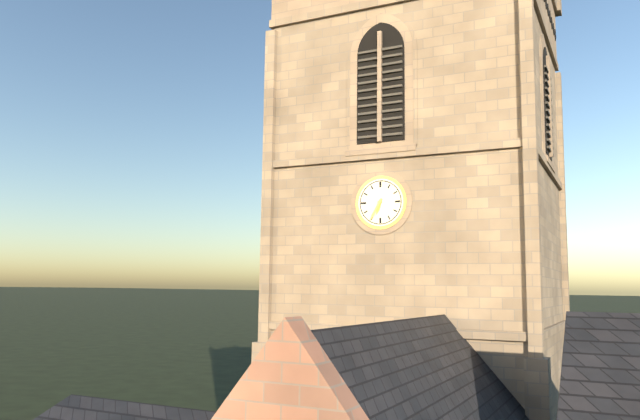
6.35
